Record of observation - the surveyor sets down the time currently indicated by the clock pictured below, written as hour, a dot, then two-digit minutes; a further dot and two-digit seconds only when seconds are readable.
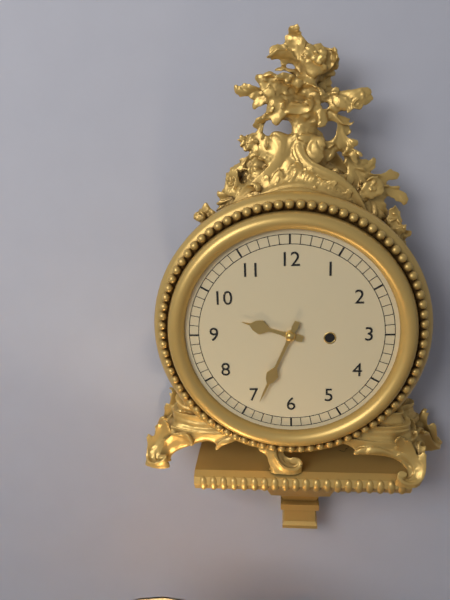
9.34
